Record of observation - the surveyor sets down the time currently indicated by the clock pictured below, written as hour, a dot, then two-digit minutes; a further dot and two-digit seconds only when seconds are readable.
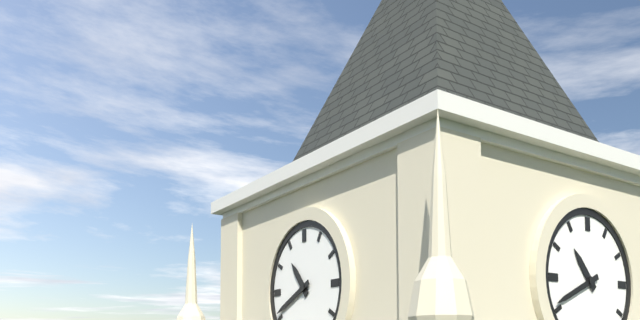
10.41
